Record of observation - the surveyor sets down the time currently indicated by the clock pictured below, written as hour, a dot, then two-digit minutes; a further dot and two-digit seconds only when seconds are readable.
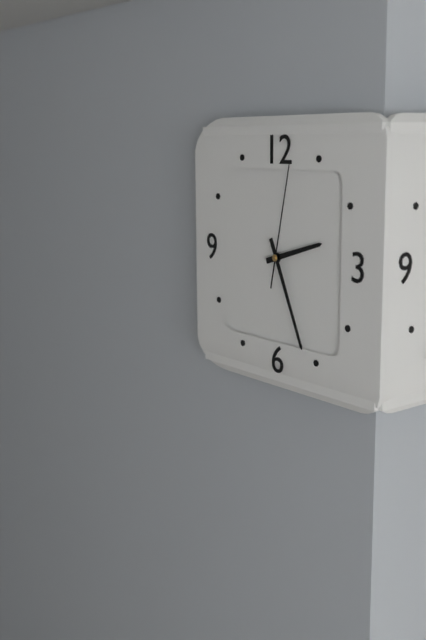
2.26.02
